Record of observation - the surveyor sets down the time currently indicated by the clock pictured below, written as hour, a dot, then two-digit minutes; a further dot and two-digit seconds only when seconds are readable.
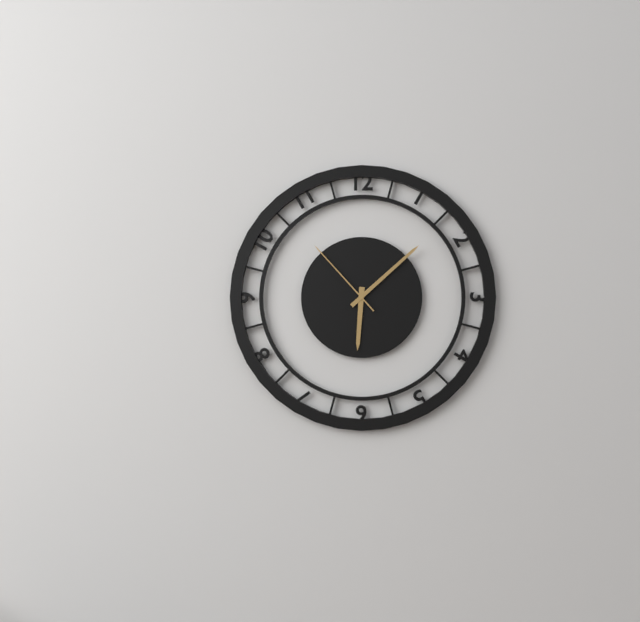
6.08.53
